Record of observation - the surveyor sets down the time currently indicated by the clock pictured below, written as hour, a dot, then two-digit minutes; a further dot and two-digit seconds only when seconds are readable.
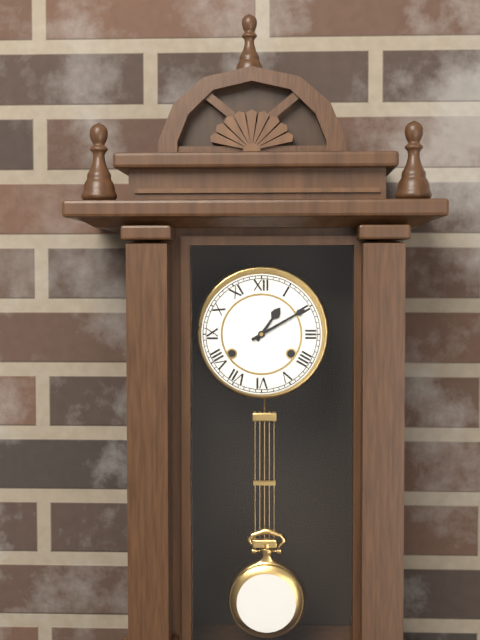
1.10
